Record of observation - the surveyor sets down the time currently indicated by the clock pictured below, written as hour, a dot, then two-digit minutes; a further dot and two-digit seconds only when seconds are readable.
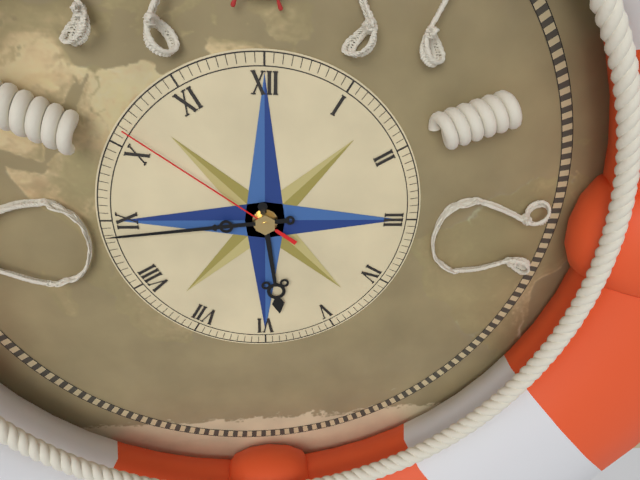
5.44.51
